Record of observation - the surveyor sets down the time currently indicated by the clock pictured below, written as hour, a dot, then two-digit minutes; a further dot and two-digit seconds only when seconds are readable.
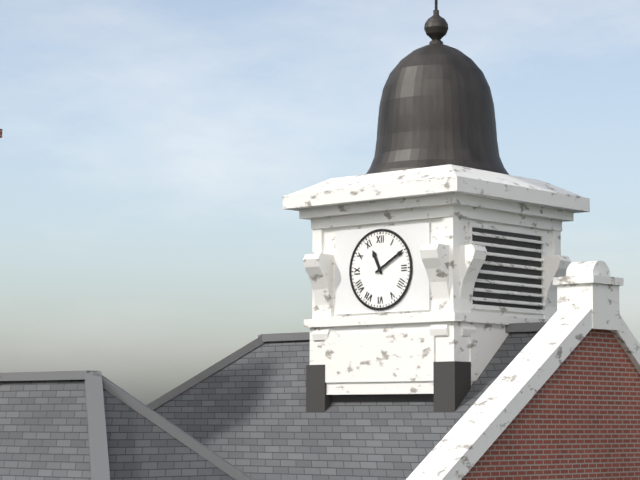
11.10
